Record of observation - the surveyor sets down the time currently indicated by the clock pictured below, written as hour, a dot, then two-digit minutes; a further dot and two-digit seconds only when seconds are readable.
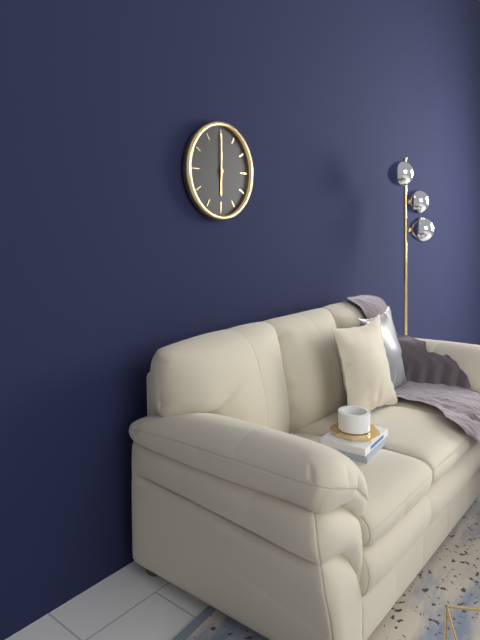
6.00
